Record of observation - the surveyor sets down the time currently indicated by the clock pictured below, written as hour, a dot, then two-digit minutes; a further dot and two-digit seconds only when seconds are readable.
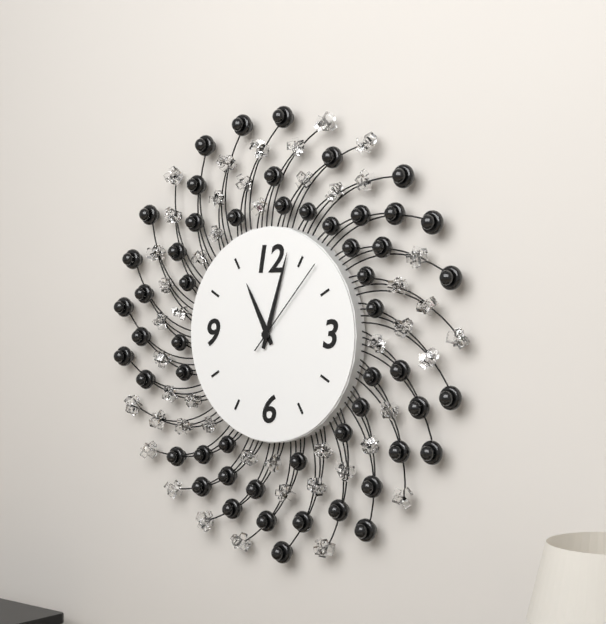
11.03.07
